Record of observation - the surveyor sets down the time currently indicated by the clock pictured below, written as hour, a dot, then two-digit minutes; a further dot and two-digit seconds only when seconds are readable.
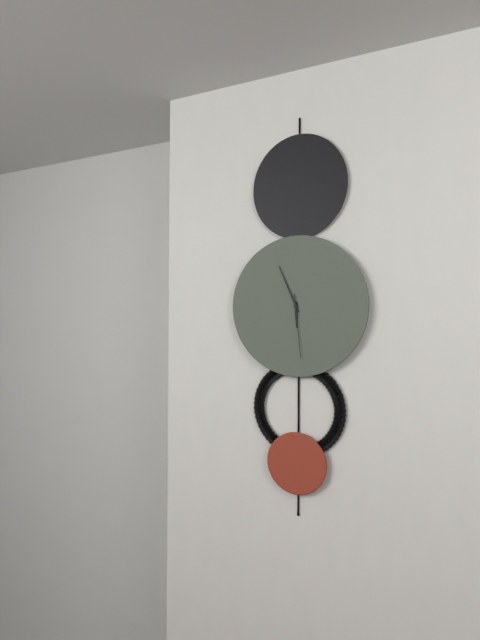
5.56.29
